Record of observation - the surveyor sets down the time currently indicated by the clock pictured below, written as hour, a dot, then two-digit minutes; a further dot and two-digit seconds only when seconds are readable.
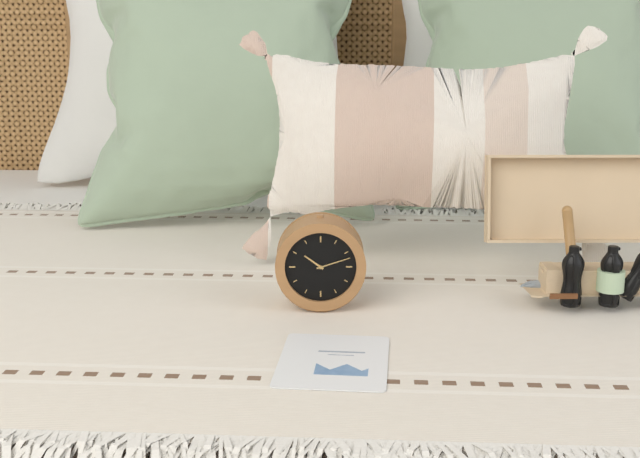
10.12
